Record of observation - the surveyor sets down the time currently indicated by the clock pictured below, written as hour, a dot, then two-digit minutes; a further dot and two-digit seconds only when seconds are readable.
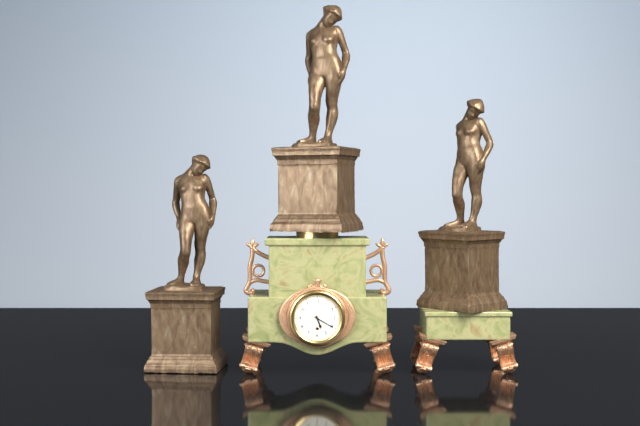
5.20
